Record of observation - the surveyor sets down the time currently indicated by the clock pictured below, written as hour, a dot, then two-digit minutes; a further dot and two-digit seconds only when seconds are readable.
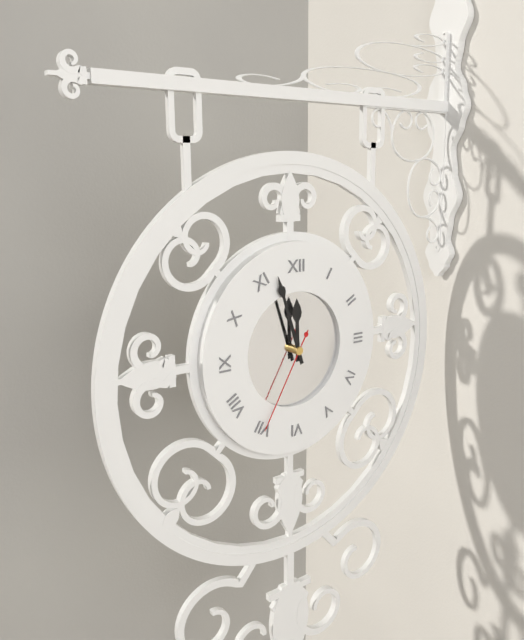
11.57.35
